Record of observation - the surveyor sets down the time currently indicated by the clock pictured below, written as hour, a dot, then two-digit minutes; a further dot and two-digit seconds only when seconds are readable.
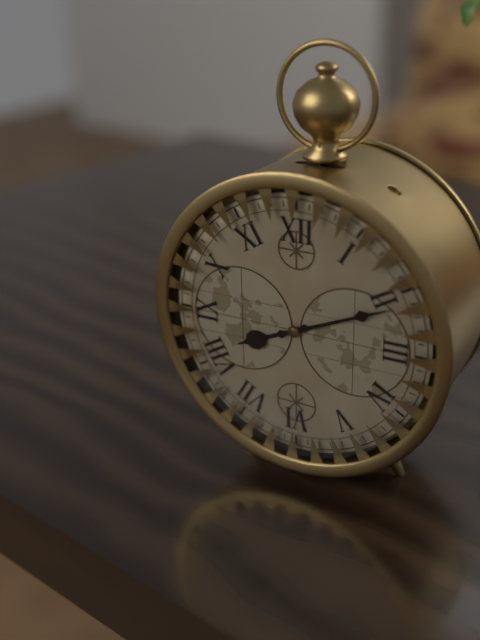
8.11
